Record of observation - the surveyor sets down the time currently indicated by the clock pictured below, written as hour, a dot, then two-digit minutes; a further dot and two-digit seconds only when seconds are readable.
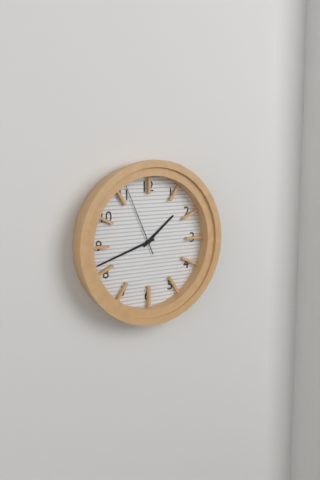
1.42.56
